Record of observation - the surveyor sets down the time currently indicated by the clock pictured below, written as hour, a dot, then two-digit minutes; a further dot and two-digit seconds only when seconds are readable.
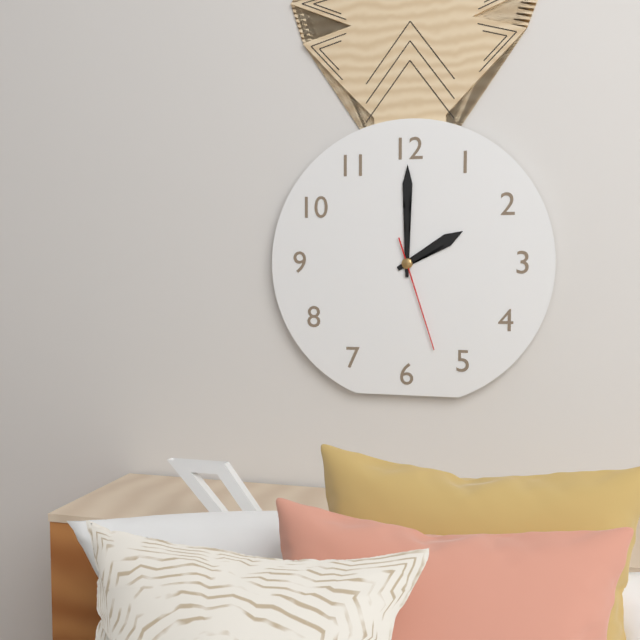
2.00.27
